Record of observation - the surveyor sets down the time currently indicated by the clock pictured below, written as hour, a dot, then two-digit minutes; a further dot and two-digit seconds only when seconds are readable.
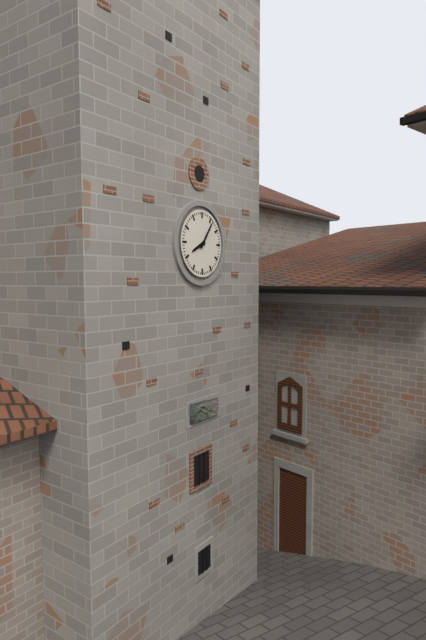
8.06
